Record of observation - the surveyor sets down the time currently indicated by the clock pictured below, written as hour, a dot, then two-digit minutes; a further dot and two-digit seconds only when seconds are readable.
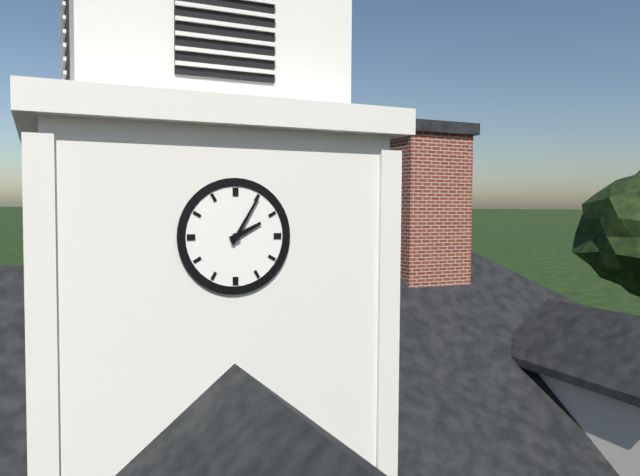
2.05
